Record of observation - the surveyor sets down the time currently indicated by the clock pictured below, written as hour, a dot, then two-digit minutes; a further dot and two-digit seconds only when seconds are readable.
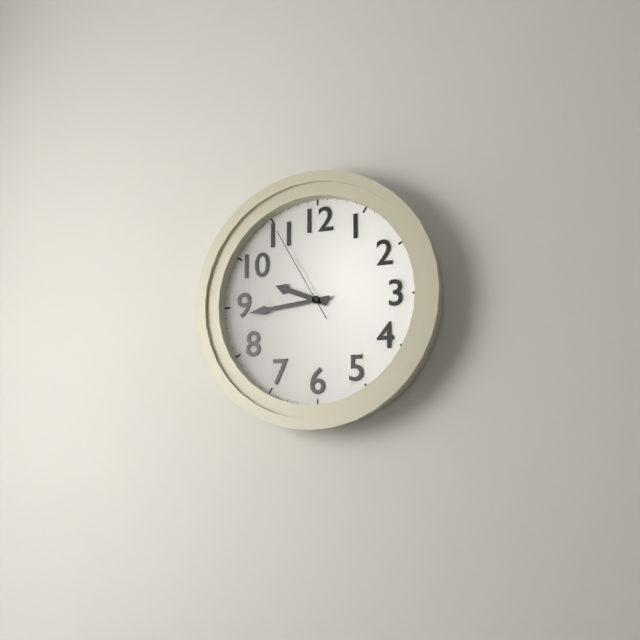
9.44.55
